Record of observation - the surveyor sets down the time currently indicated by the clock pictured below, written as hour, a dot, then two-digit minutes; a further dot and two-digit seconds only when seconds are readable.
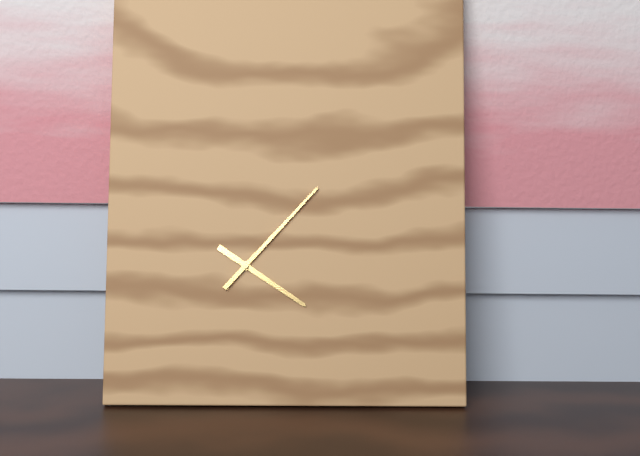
4.07
